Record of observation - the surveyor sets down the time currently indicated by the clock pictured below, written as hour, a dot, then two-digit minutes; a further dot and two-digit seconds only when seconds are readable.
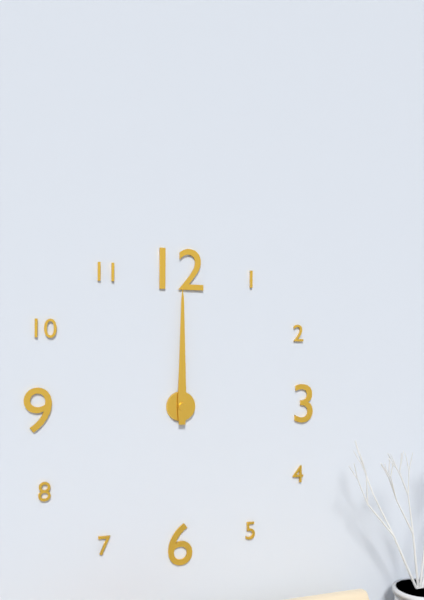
12.00
